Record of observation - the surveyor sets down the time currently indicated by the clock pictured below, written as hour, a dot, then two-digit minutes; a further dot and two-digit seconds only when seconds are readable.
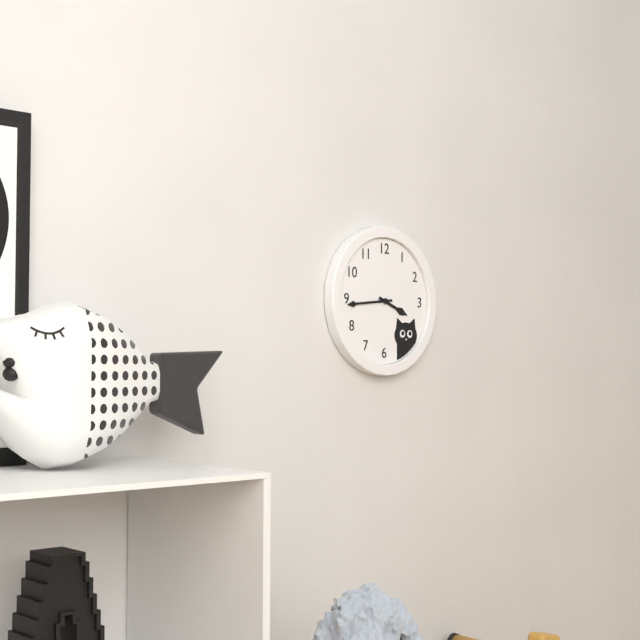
3.44
